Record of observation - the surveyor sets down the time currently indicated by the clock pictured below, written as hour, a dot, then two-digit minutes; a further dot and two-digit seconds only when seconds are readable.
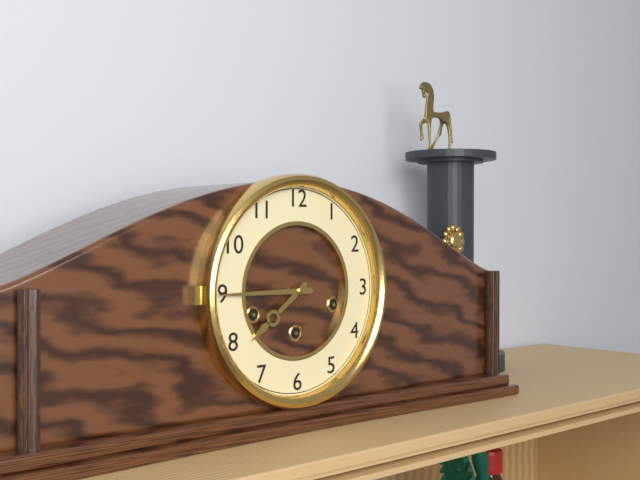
7.45
